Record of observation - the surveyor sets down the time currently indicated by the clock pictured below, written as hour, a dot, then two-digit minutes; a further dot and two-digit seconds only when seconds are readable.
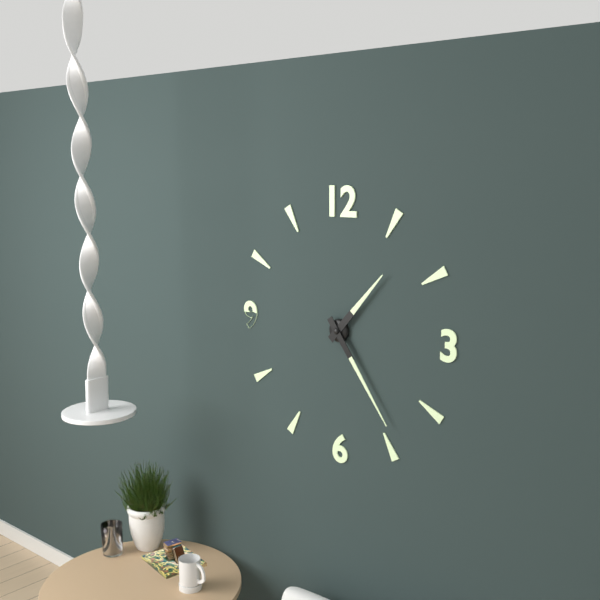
1.24
